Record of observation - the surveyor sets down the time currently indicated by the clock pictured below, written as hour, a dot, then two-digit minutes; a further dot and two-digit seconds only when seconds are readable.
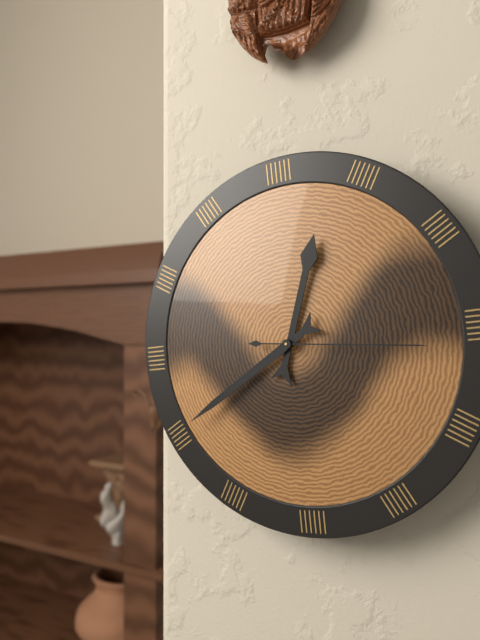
12.40.16
